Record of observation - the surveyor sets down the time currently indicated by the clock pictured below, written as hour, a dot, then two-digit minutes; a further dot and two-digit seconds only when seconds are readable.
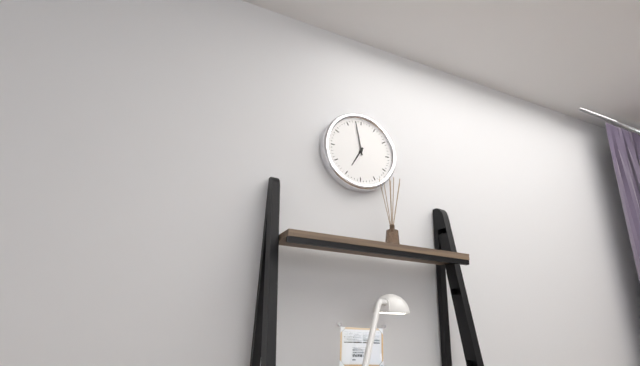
6.58
